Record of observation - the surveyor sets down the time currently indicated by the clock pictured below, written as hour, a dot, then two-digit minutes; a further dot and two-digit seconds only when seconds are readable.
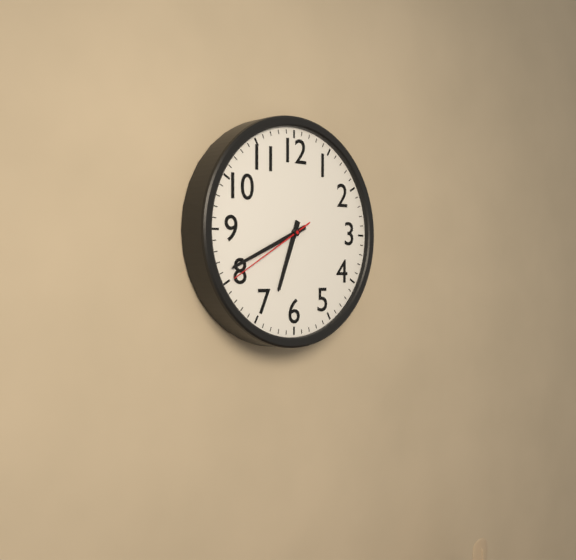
6.41.40
